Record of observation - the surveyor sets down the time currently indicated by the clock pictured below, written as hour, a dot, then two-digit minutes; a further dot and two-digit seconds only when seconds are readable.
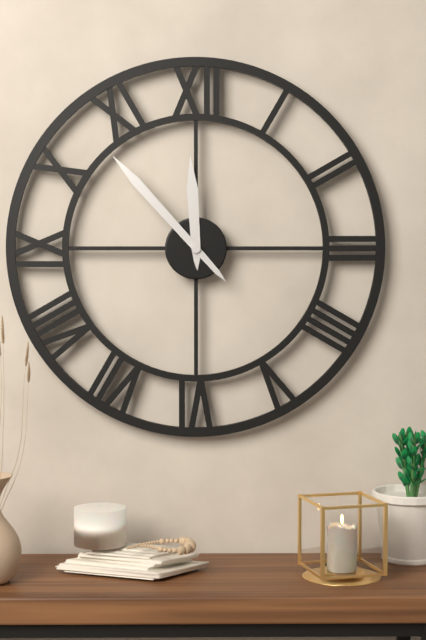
11.53
